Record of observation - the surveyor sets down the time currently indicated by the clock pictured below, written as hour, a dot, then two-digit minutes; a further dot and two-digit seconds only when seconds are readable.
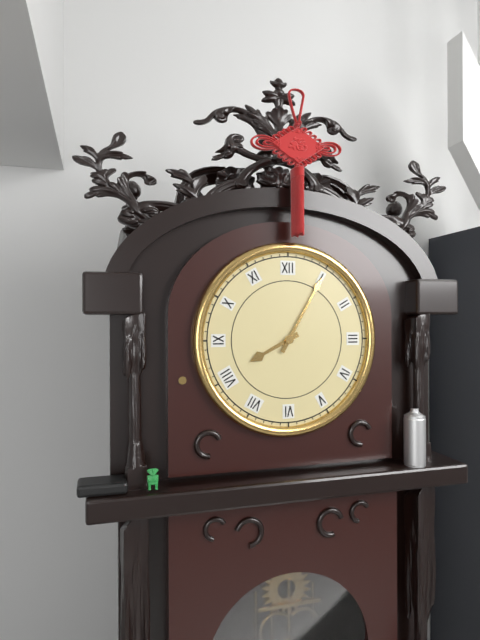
8.05
